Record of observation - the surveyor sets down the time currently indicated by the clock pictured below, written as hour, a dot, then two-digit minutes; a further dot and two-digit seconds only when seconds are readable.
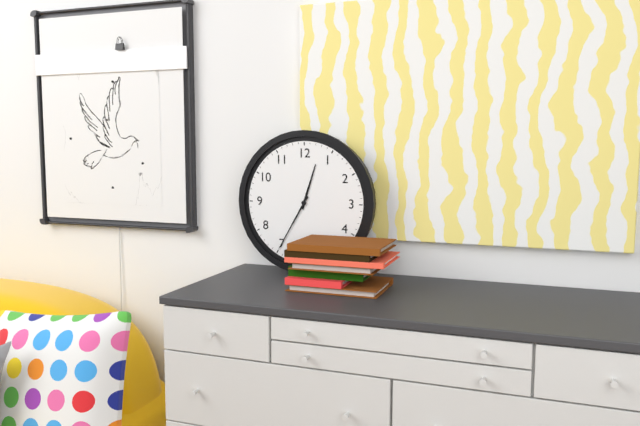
12.35
